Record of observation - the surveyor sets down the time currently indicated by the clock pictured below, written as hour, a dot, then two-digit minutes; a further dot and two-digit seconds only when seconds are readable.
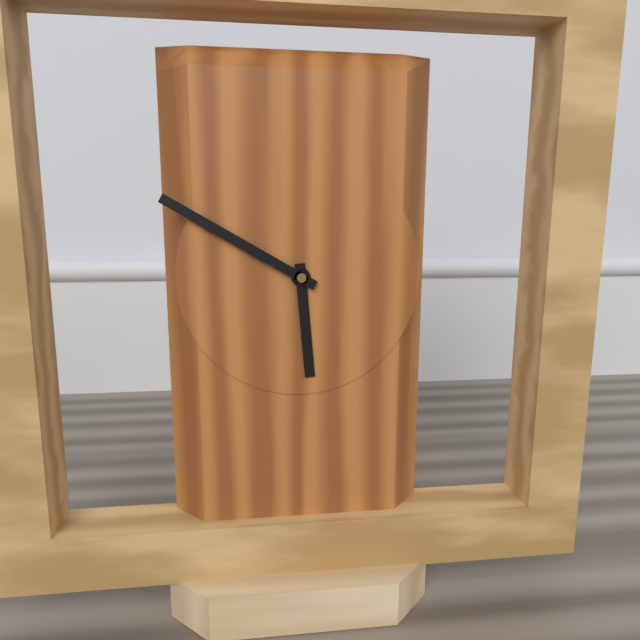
5.50
